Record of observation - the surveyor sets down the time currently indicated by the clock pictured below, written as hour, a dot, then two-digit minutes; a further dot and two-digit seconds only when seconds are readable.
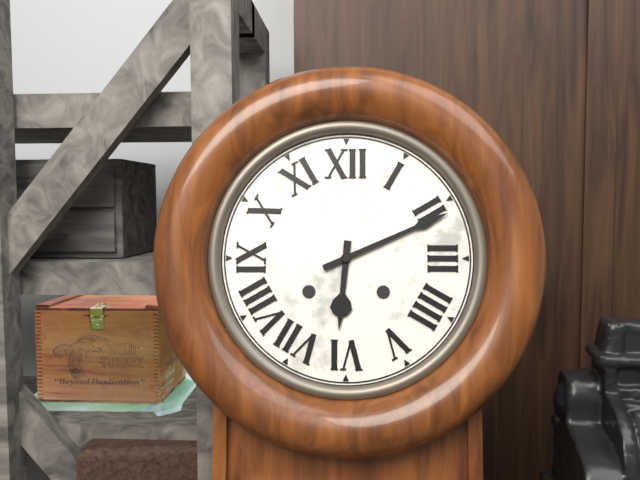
6.11
